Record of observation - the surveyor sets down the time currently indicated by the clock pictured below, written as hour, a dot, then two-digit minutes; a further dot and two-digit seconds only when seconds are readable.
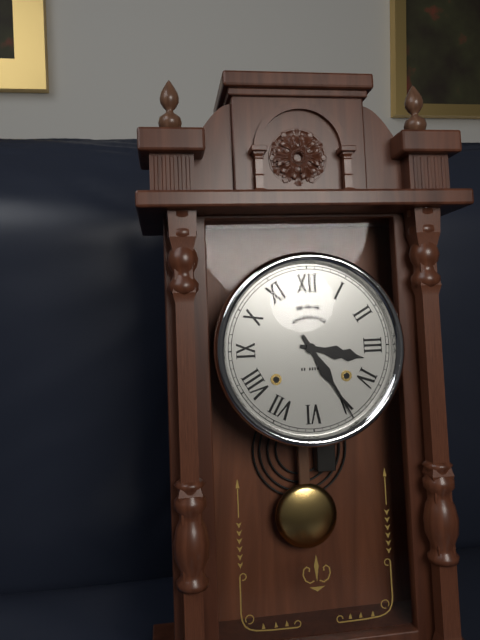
3.25
